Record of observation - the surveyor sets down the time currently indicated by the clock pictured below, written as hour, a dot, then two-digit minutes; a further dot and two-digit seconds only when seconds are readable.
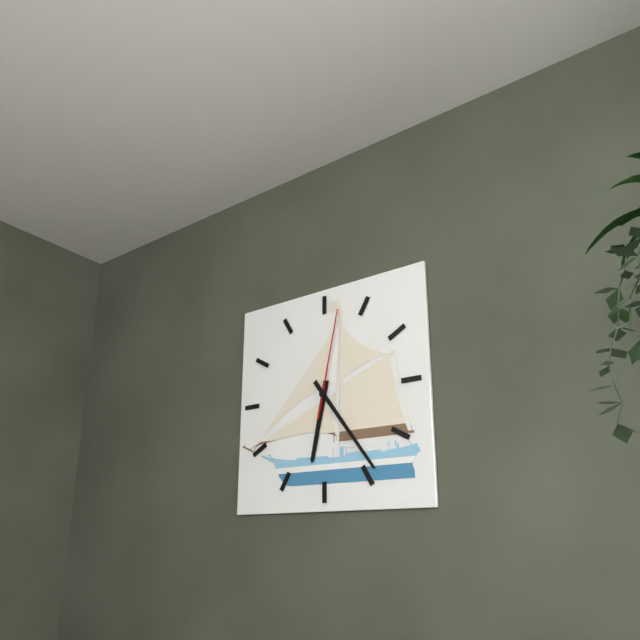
6.24.02
